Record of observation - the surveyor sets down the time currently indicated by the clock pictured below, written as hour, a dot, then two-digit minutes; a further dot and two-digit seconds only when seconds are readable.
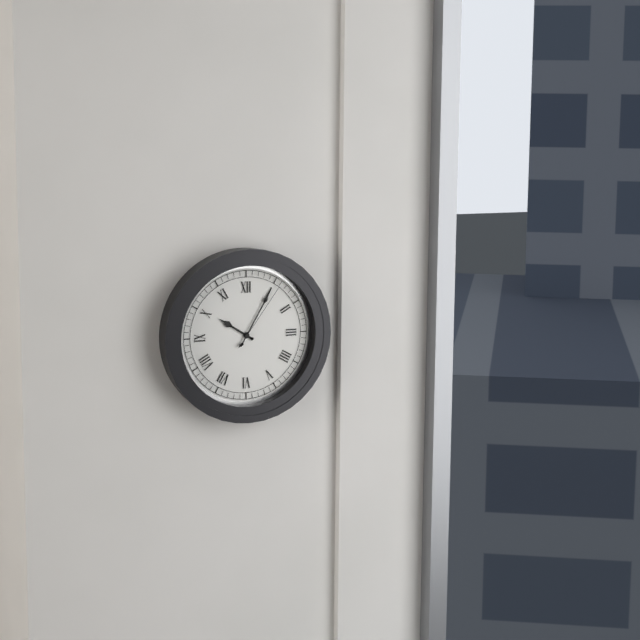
10.05.06
